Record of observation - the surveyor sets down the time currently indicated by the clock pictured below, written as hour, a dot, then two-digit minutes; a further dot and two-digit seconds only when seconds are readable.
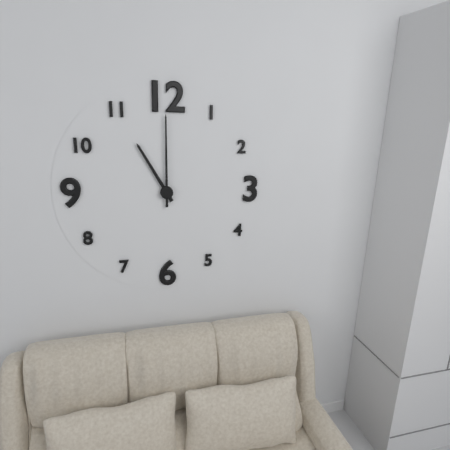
11.00
